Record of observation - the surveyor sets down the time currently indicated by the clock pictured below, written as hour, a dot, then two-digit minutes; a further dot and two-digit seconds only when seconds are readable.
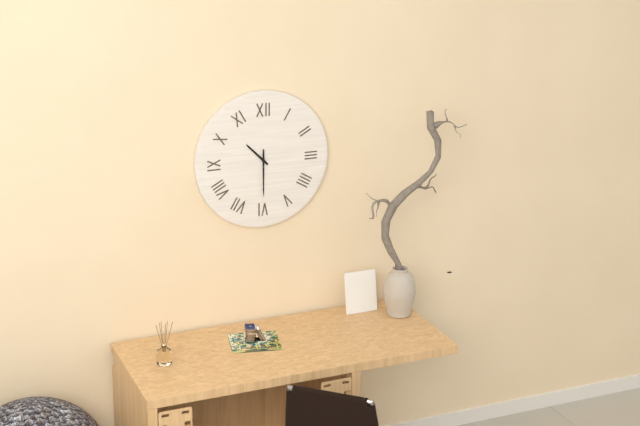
10.30
